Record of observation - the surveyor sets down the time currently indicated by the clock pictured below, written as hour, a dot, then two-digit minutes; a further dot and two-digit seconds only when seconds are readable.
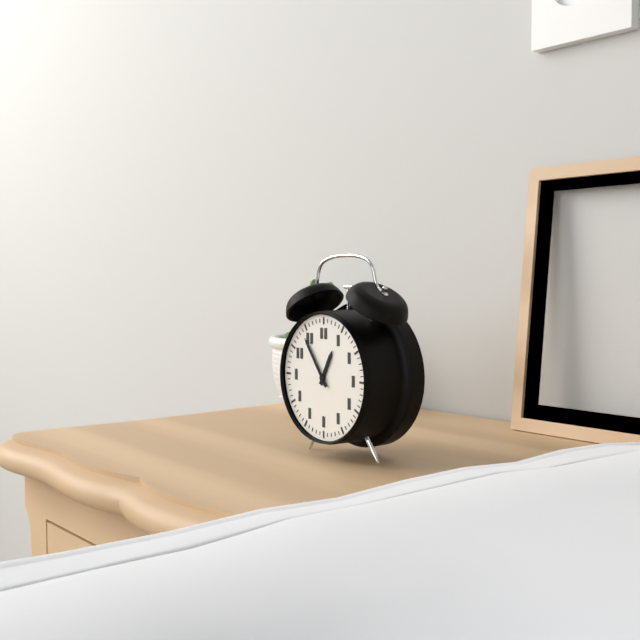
12.54
